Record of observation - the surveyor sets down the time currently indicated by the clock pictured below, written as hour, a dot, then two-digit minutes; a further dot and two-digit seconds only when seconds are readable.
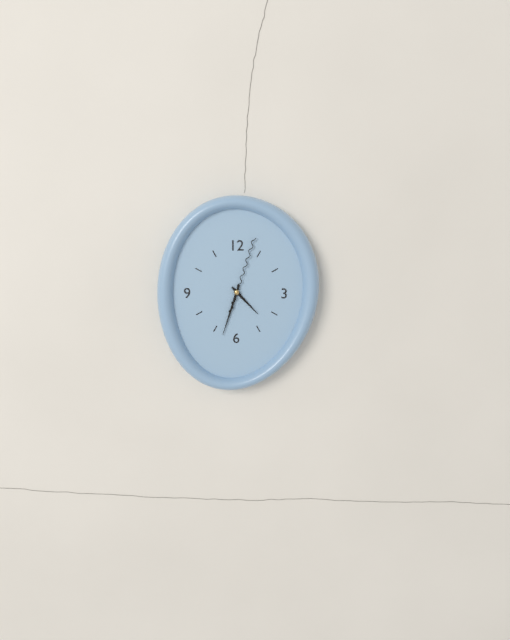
4.33.03
